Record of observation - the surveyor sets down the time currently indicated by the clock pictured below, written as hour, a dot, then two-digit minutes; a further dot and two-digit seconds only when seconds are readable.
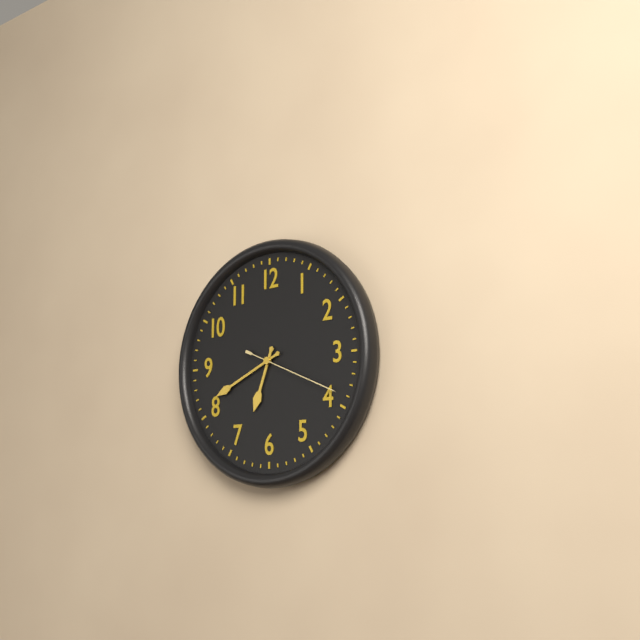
6.41.19
